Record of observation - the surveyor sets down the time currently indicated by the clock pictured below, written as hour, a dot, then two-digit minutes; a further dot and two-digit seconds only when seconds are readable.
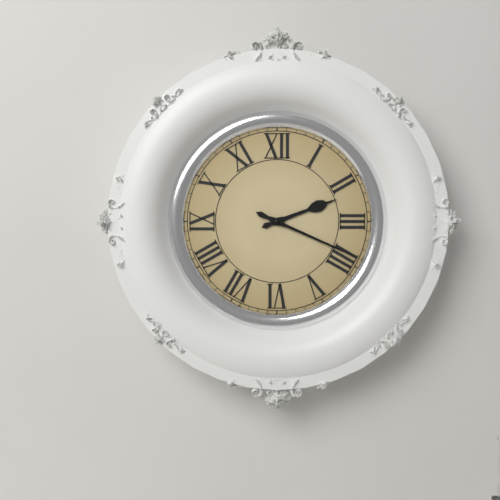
2.19
